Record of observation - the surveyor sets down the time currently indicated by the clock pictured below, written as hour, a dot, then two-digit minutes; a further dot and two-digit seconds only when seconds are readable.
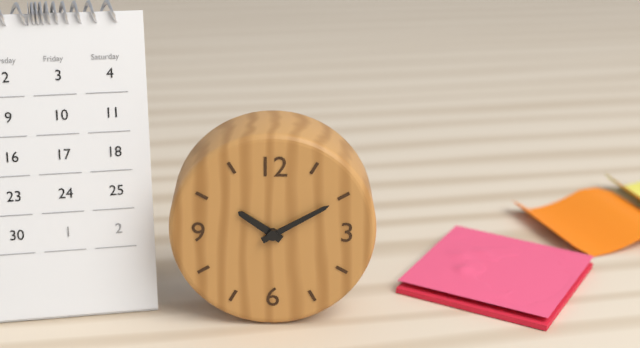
10.10
